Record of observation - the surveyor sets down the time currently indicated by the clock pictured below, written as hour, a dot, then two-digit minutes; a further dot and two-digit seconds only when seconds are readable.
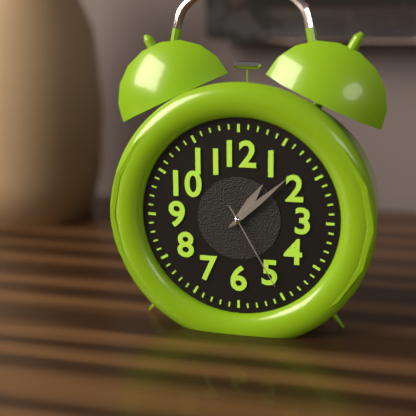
1.08.25
